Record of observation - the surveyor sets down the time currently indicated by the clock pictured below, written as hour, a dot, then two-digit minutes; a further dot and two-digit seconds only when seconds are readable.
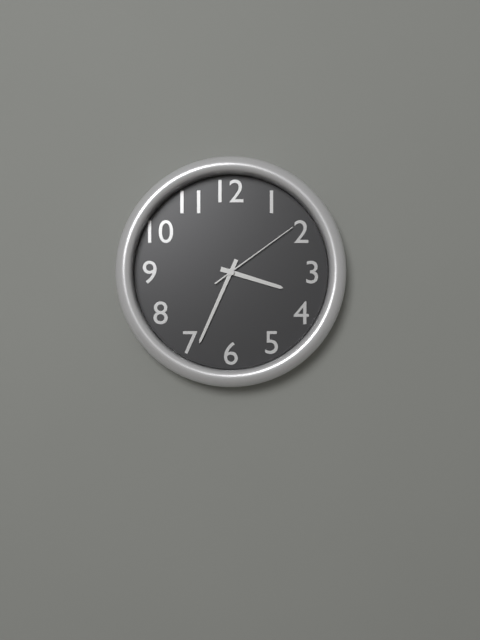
3.34.09
